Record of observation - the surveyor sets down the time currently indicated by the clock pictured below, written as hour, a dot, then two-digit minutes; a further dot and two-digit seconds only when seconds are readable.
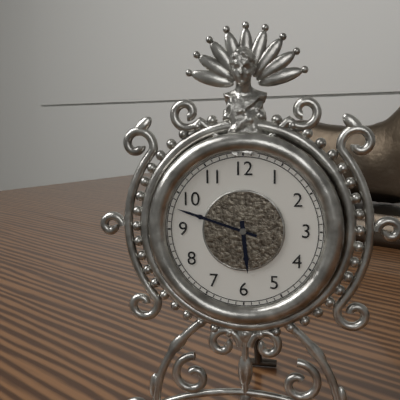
5.48
